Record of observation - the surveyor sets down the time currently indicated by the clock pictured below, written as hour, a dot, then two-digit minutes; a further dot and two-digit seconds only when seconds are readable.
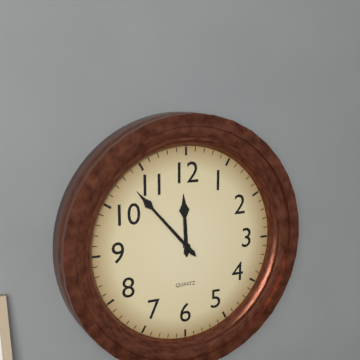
11.53
